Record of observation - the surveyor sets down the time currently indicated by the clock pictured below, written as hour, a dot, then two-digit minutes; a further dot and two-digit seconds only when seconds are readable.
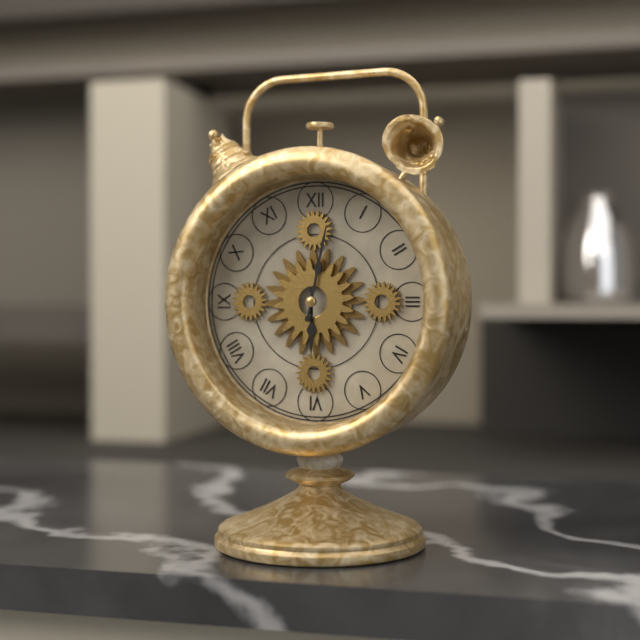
6.02
